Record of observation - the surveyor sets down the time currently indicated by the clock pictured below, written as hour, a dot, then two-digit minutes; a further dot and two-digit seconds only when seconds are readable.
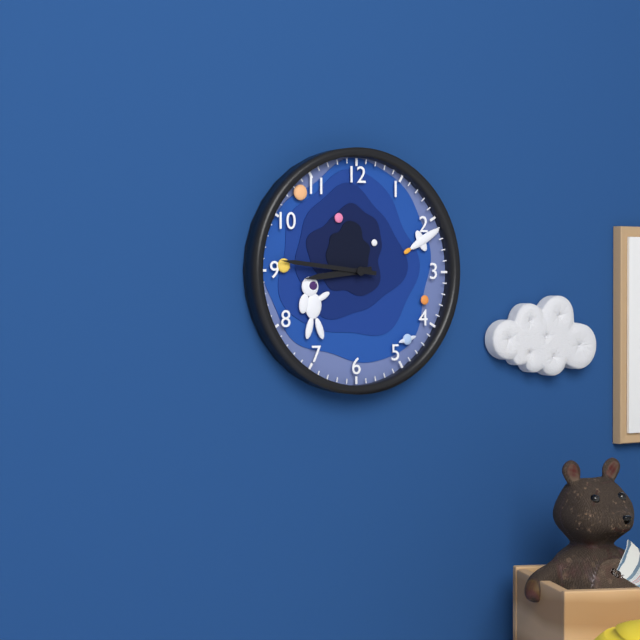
8.46
